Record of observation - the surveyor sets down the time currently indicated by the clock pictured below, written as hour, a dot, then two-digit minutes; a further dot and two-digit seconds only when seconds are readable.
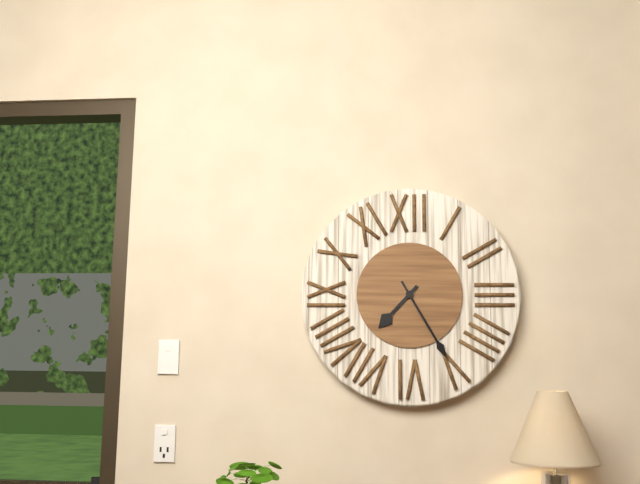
7.25
